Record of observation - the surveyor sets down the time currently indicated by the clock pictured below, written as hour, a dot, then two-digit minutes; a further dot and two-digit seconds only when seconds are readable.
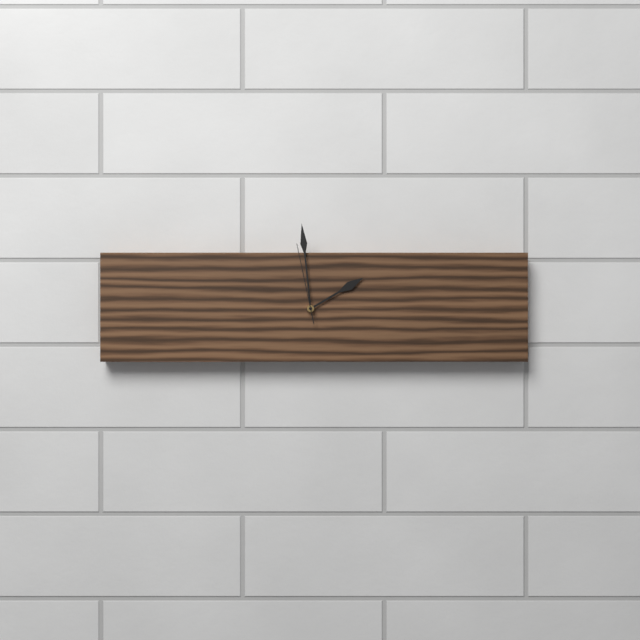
1.59.58
